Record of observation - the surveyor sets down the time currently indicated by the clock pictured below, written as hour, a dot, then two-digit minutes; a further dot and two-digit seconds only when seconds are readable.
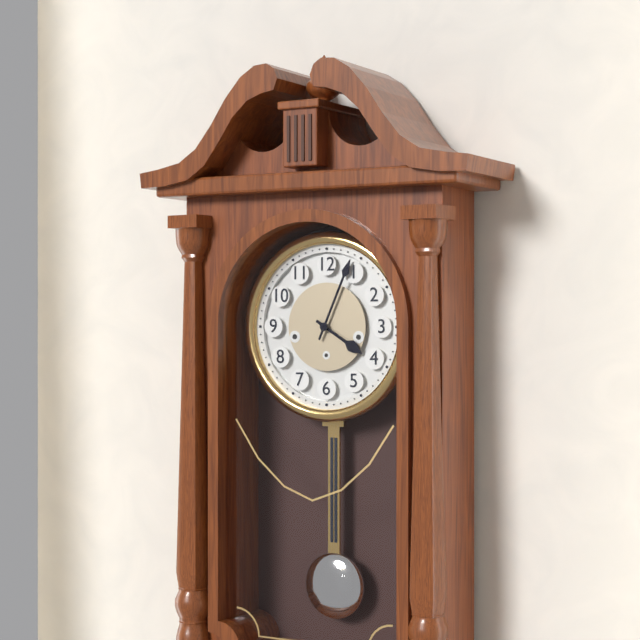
4.04
